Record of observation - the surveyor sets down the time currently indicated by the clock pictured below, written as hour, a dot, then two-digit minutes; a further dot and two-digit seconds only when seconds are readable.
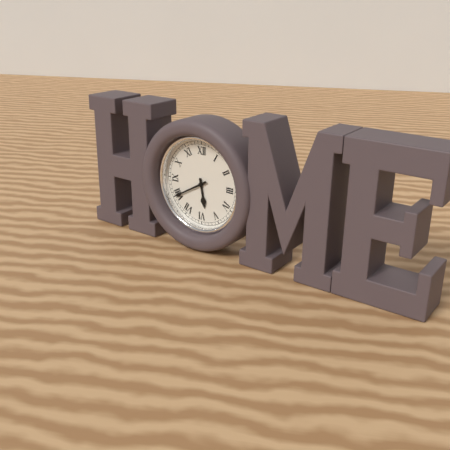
5.40
